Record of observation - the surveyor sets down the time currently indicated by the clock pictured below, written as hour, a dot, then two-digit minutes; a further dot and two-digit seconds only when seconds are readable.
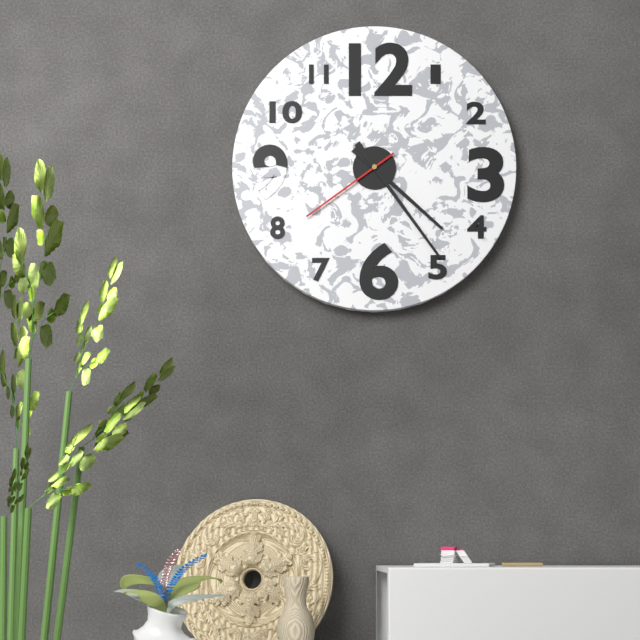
4.24.39
